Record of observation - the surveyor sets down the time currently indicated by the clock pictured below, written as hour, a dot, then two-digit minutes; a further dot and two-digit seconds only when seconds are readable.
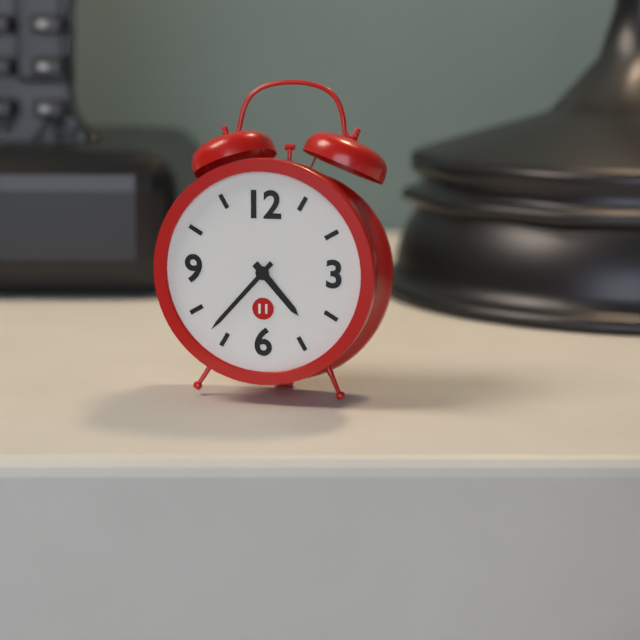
4.37
